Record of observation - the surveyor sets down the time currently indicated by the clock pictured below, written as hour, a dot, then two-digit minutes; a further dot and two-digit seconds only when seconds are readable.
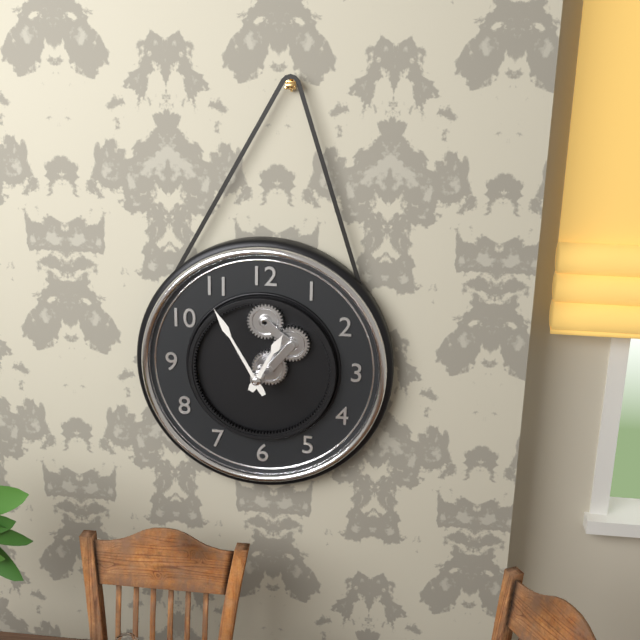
12.55
